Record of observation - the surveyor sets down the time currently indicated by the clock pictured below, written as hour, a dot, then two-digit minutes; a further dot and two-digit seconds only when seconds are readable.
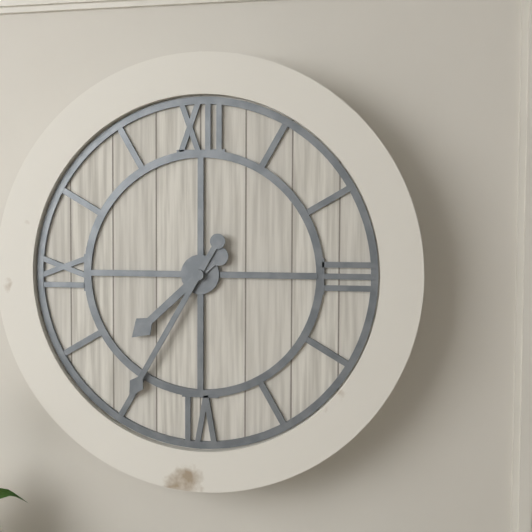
7.35
